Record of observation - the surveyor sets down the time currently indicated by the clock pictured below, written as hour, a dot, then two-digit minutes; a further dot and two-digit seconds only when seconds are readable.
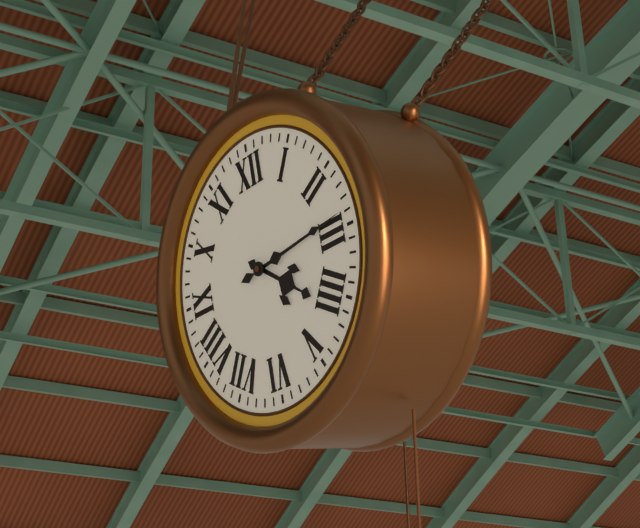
4.14
